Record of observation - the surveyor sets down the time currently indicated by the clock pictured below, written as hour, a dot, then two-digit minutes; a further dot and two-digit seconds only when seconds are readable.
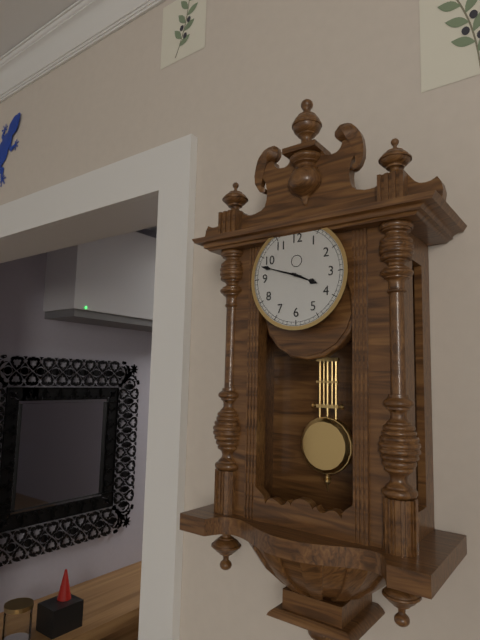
3.48
